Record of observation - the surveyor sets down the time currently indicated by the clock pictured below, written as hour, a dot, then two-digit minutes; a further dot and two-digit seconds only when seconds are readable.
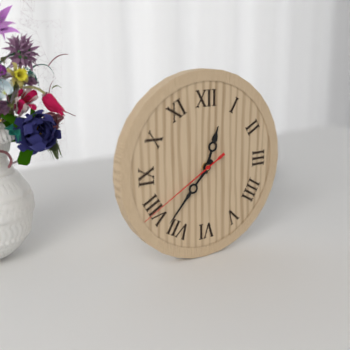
12.37.40
